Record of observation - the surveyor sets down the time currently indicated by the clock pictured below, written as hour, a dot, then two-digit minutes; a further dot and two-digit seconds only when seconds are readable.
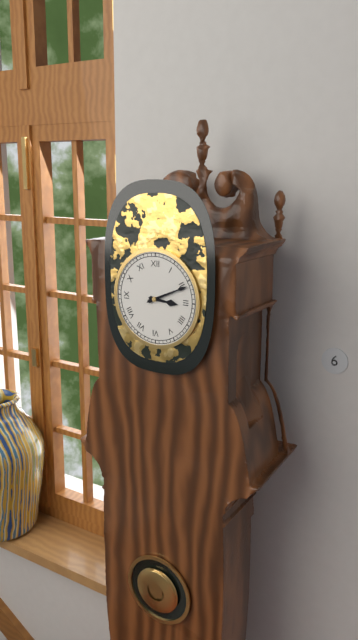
3.11
